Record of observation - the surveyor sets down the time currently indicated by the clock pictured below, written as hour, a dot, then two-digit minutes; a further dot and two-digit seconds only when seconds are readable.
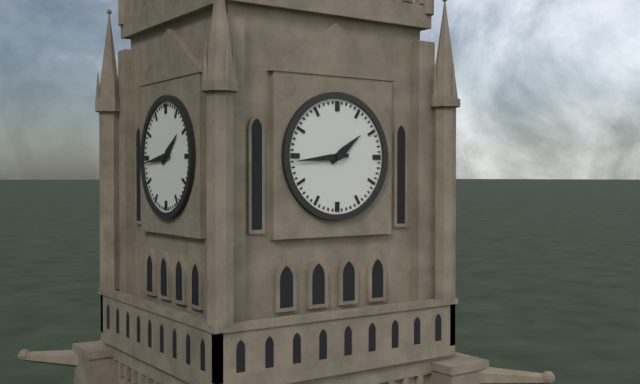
1.44
